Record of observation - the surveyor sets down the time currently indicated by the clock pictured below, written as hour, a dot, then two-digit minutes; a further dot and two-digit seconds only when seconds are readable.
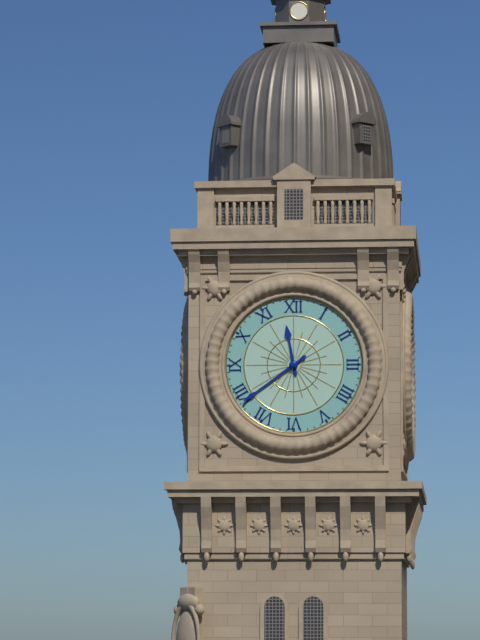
11.39
